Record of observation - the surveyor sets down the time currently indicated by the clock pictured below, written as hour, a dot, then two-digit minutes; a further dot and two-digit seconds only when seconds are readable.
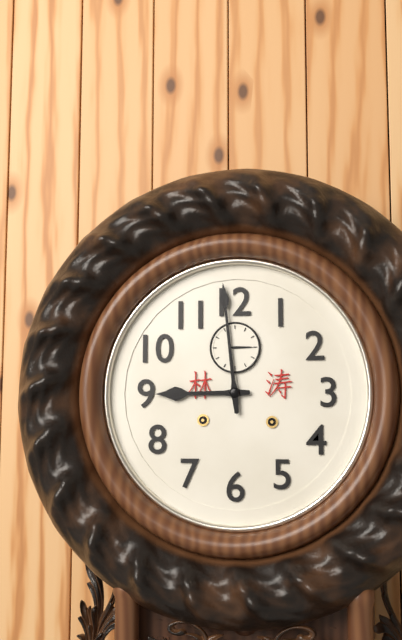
8.59
